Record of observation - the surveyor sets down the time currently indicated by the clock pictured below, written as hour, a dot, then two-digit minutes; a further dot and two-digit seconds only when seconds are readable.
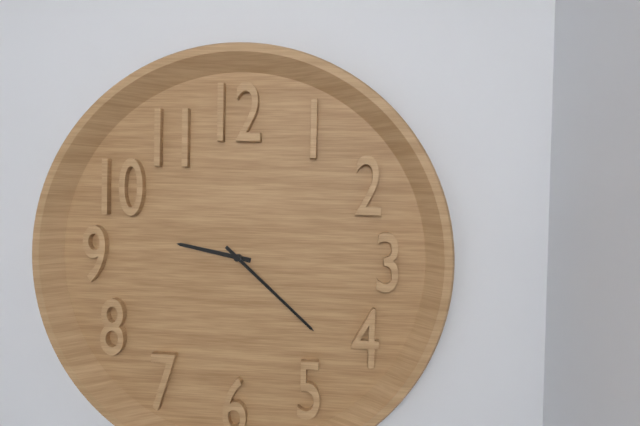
9.22
